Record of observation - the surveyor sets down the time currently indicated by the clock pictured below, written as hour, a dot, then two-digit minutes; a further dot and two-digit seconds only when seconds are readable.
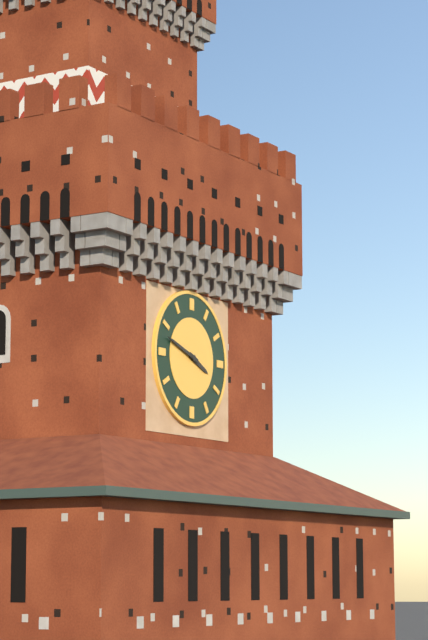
3.48
